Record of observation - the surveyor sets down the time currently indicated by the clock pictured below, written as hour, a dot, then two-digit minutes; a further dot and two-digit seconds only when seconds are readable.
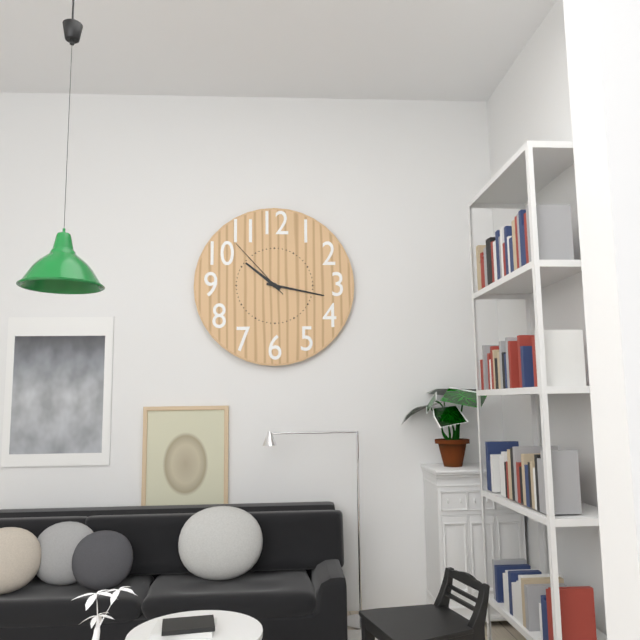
10.17.53
